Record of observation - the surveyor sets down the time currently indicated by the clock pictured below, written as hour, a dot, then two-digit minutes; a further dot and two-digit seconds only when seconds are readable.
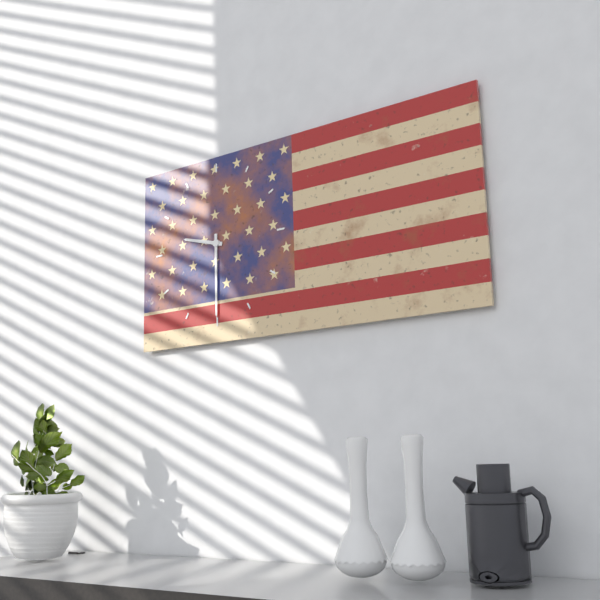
9.30
